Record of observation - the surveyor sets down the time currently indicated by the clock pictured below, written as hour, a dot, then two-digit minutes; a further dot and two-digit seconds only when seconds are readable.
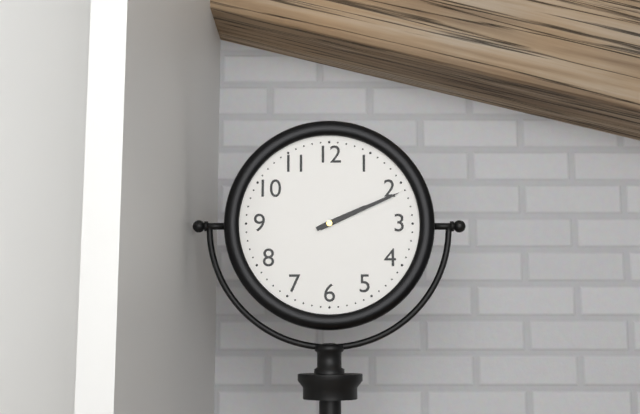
2.11
